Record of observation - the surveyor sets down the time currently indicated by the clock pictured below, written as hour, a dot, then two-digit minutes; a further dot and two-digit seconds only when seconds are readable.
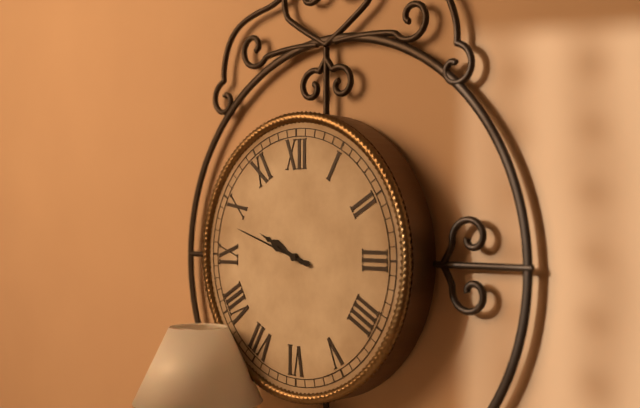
9.48
